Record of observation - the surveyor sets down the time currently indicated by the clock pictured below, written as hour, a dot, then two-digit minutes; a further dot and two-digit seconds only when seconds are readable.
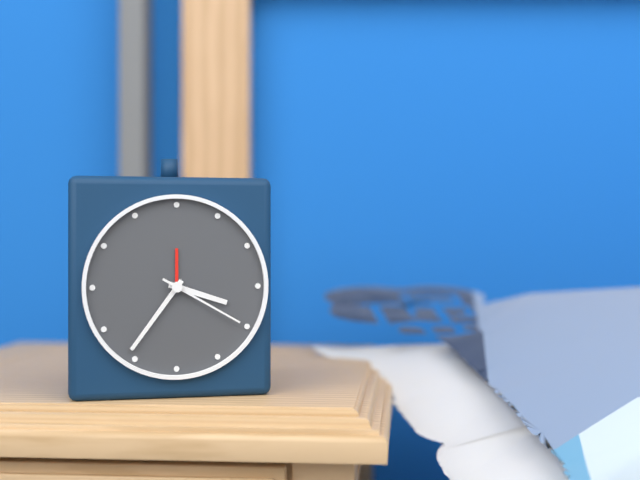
3.36.20
